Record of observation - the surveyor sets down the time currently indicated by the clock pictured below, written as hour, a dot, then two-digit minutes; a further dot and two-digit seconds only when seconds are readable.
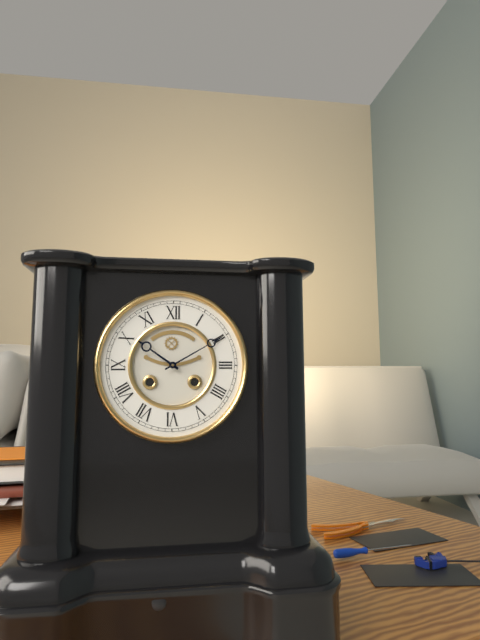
10.10
